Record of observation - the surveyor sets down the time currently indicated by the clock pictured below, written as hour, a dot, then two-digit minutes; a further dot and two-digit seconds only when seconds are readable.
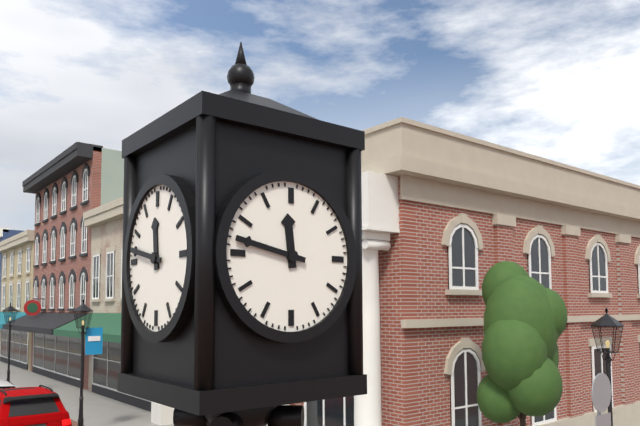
11.47
